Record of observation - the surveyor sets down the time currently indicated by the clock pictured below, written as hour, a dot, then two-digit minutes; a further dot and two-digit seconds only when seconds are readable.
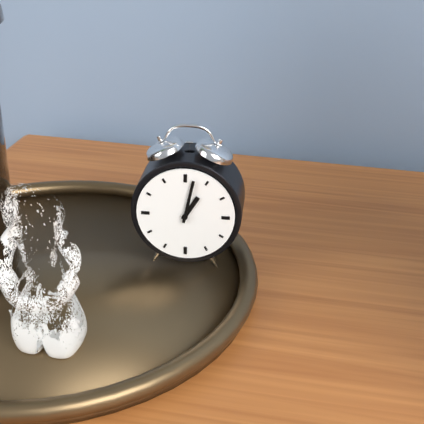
1.02
